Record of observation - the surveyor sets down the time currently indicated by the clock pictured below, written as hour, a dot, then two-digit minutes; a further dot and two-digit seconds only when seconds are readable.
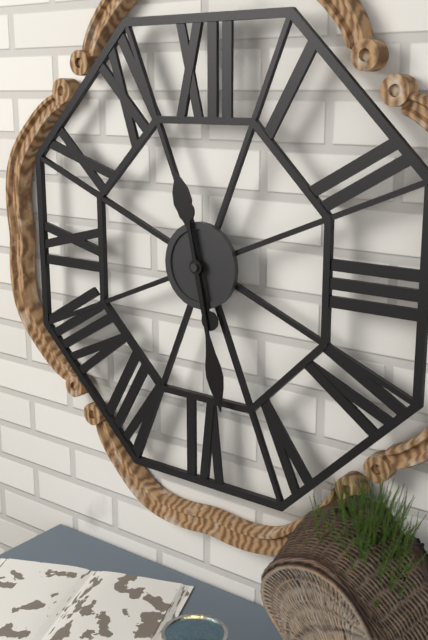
11.28
